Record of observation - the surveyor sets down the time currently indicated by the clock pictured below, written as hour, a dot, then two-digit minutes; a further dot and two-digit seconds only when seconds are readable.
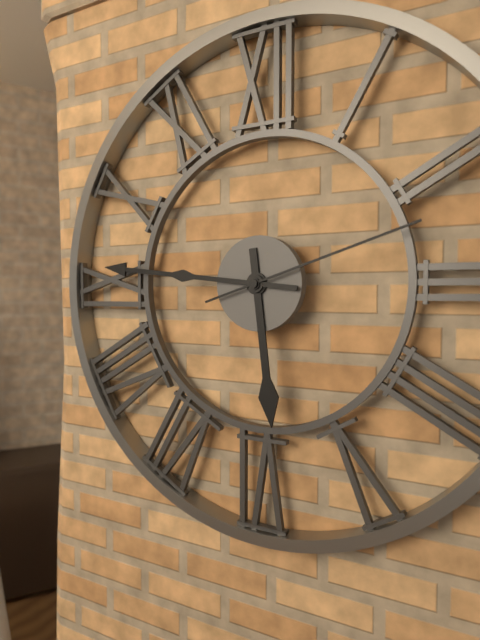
5.46.12
